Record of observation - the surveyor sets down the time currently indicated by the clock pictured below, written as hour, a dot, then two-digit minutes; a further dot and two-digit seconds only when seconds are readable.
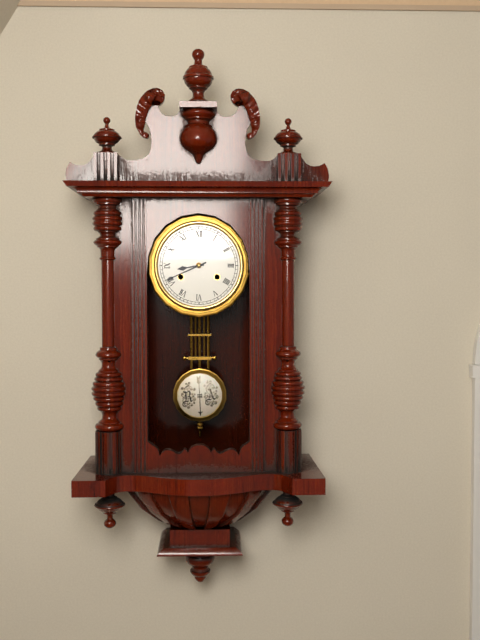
8.41
